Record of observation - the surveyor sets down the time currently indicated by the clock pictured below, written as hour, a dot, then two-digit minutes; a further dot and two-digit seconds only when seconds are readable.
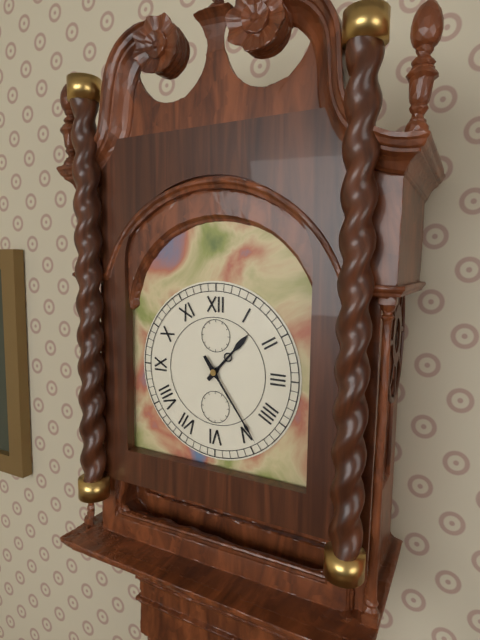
1.24
